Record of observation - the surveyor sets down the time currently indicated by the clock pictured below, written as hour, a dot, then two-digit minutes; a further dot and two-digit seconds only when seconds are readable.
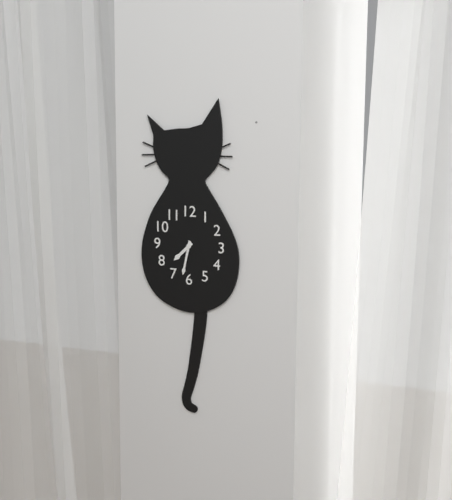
7.32
